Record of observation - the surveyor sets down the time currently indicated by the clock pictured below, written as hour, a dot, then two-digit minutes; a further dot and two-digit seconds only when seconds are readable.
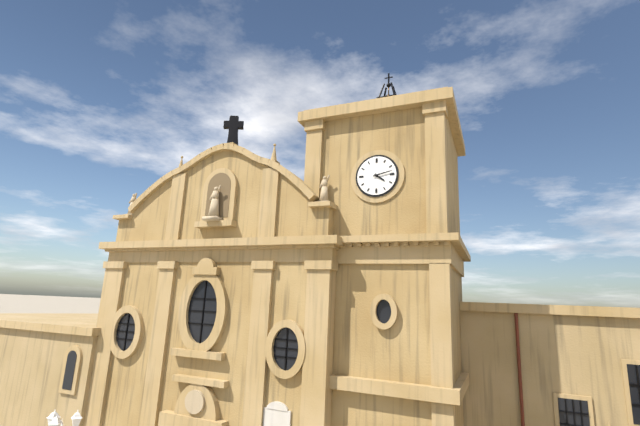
4.13
